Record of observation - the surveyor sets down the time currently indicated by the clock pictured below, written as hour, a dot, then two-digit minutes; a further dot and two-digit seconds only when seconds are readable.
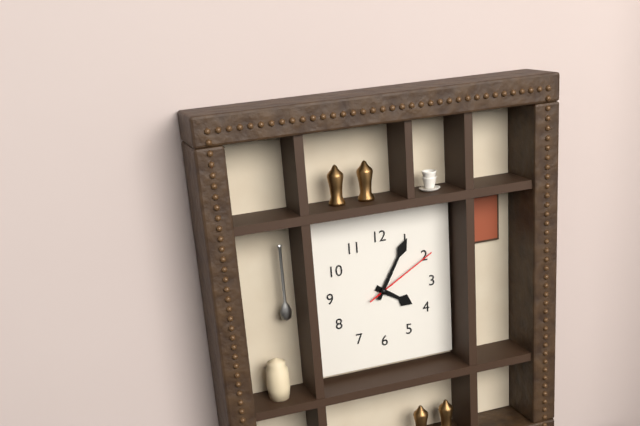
4.05.10
